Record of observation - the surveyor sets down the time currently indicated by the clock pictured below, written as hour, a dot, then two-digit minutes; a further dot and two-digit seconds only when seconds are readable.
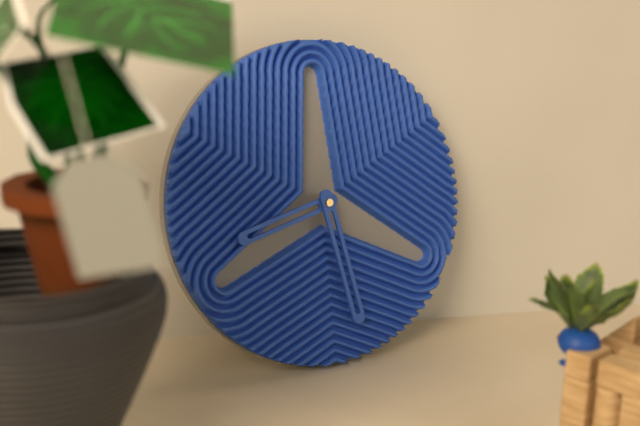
8.28
